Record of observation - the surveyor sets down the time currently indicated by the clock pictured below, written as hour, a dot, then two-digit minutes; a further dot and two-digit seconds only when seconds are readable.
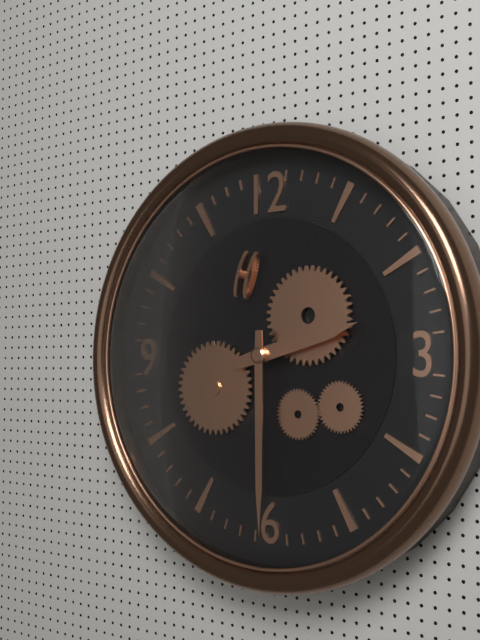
2.30
